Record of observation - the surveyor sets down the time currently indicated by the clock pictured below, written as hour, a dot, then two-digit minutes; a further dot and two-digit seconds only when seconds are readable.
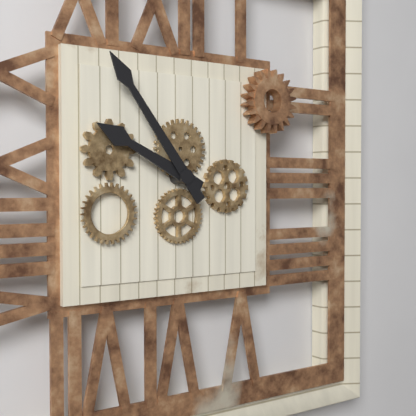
9.54
